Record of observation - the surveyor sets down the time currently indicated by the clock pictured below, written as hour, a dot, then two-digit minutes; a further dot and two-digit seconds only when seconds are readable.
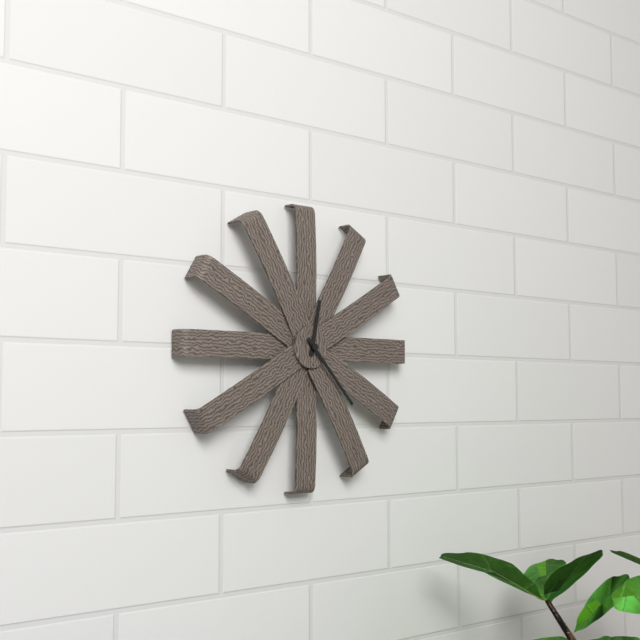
12.23
